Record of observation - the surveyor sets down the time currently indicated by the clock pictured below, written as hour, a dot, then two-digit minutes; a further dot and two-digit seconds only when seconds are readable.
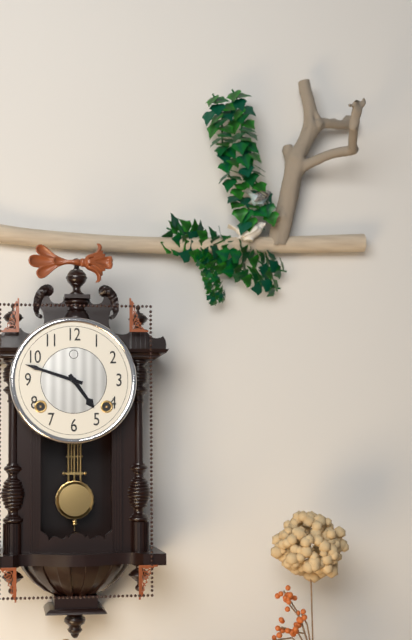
4.48
